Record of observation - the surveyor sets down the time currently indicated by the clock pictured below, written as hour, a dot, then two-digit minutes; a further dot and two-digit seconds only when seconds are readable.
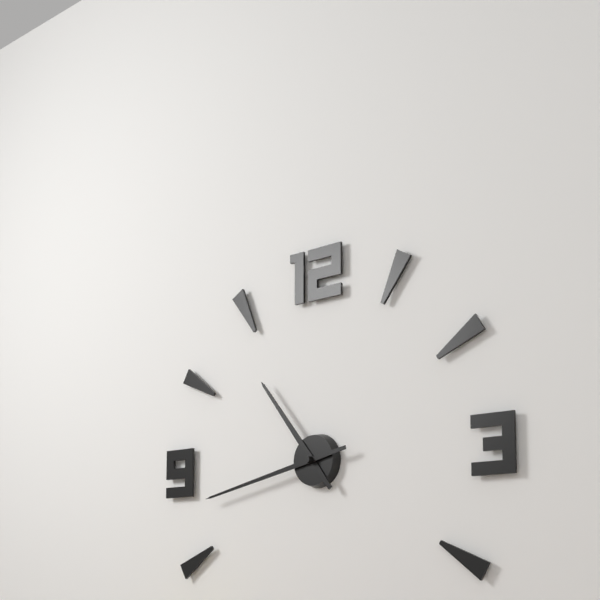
10.43
